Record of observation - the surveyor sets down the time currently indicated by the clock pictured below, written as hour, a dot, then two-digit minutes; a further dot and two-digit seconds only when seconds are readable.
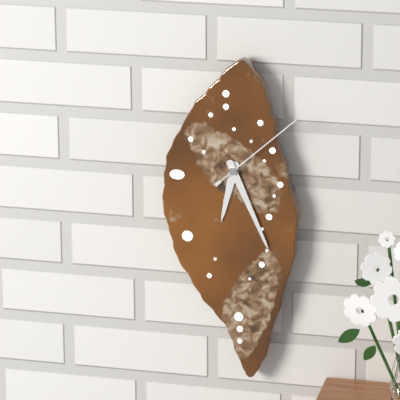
6.26.08
